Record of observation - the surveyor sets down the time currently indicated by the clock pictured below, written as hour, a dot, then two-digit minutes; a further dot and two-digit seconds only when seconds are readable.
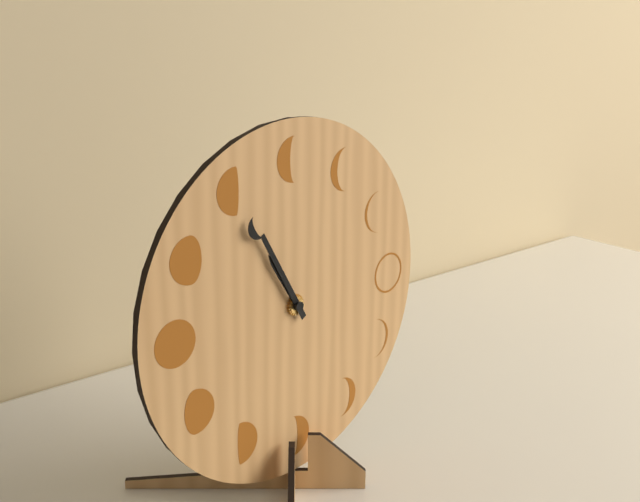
10.55
